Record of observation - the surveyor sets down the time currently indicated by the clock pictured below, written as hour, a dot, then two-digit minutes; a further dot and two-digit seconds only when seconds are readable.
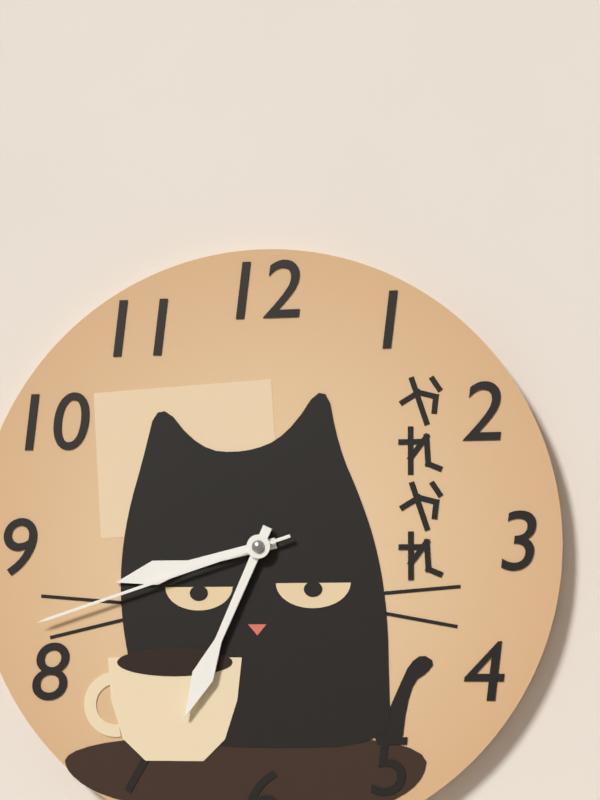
8.34.42
